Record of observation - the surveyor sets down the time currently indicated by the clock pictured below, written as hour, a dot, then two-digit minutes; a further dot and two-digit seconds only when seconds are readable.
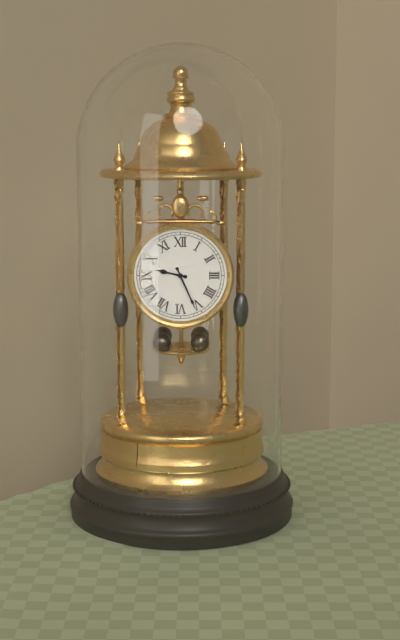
9.26
